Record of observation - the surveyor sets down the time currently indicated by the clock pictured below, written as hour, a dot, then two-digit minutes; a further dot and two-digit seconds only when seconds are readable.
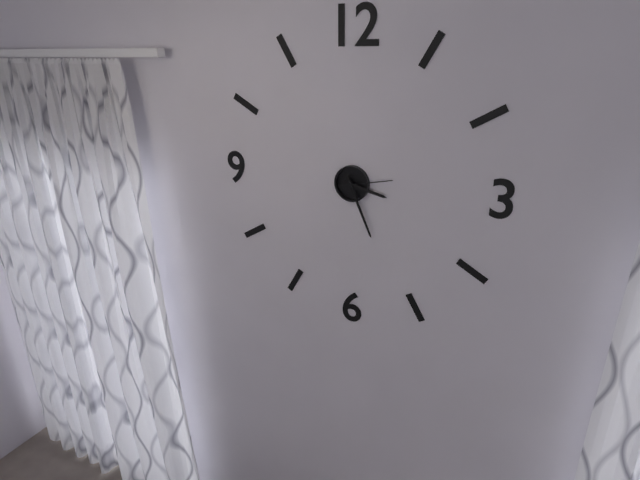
3.26.13
